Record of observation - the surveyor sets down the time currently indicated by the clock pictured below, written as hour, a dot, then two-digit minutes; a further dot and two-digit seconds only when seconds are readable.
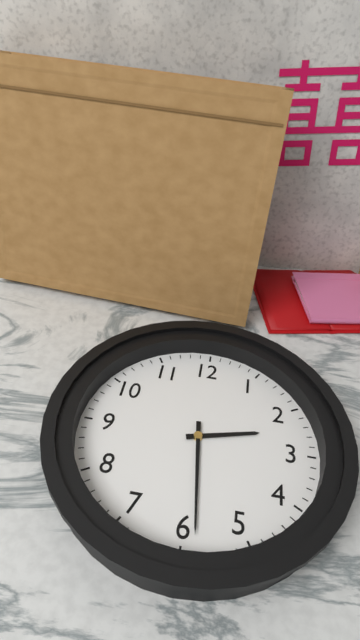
2.29
